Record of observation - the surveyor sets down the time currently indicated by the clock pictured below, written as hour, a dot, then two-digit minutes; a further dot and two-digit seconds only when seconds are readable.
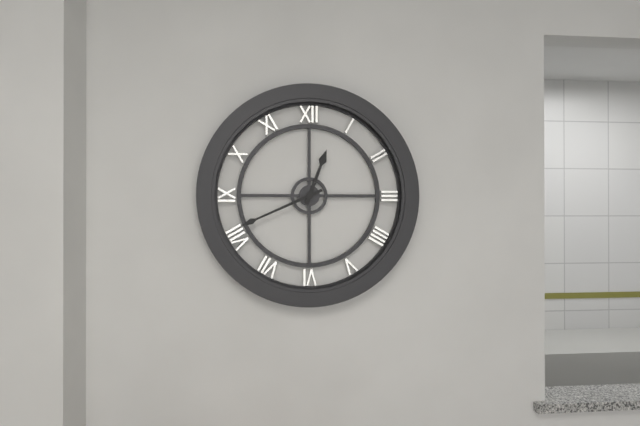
12.41
